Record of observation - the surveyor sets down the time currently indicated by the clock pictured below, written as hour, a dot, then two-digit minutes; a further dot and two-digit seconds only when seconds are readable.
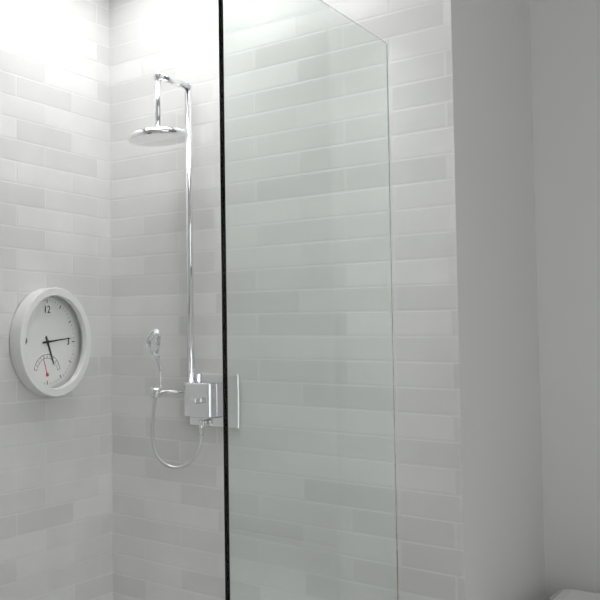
5.14
